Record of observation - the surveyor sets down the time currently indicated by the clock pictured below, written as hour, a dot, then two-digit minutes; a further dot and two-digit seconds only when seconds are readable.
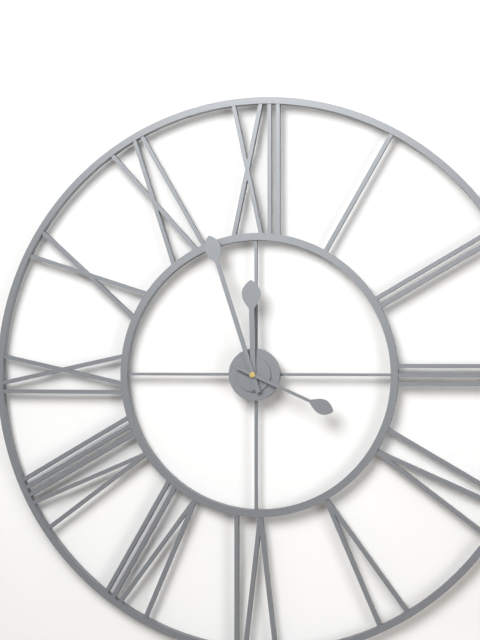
11.57.19
